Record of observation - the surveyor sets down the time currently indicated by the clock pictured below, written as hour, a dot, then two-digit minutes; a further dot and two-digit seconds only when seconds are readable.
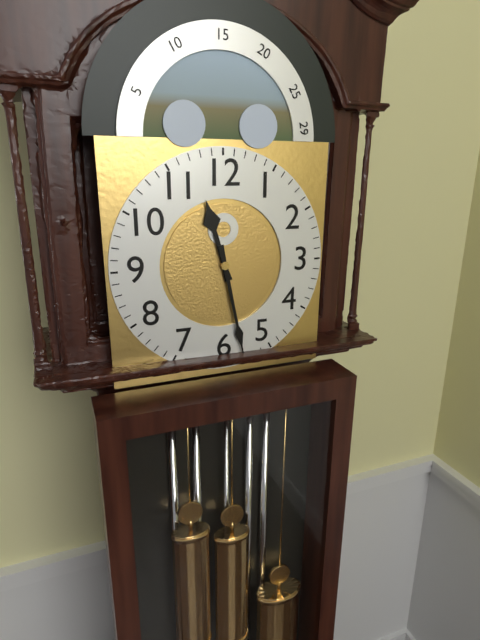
11.28
